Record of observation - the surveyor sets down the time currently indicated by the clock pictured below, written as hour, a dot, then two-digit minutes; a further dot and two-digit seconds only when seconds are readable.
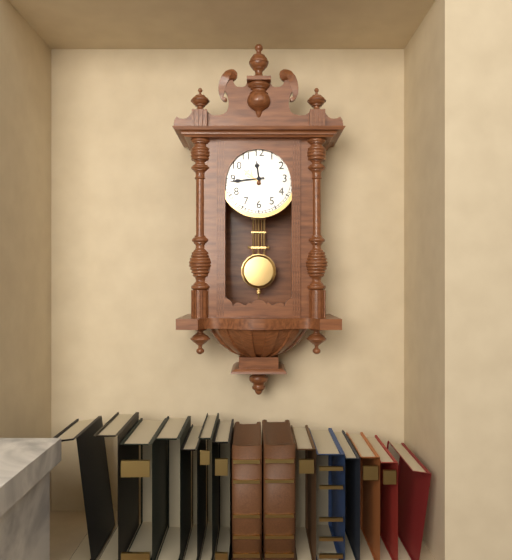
11.44
